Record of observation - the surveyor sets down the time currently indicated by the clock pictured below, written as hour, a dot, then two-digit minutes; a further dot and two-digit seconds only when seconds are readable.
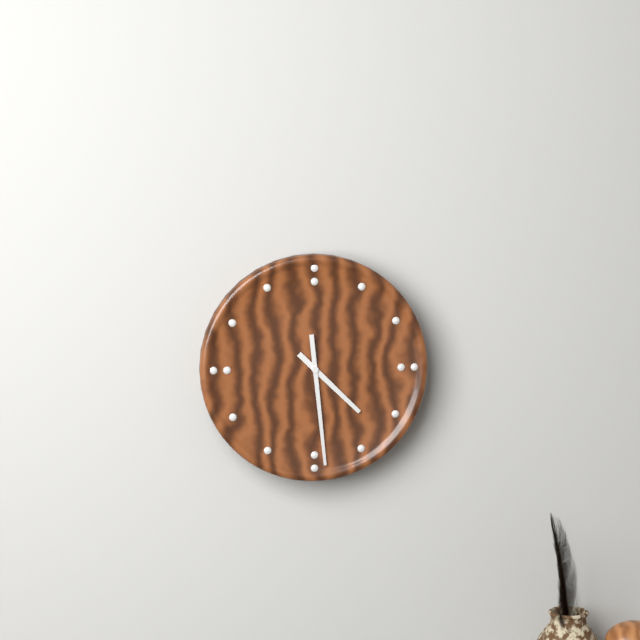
4.29
